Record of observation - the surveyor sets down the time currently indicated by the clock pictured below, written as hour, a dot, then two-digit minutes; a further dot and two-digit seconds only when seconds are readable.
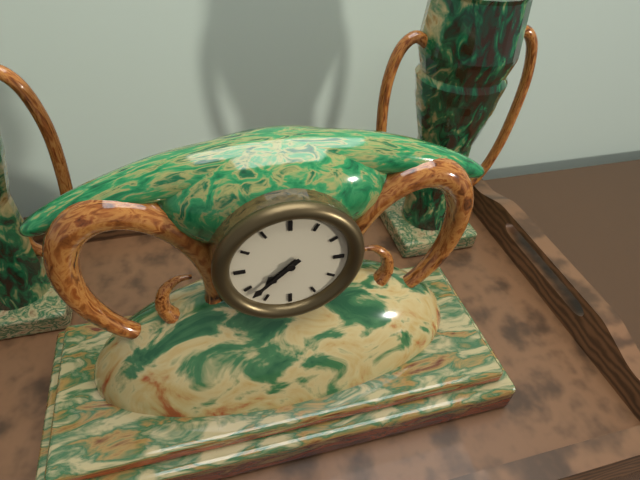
7.38
